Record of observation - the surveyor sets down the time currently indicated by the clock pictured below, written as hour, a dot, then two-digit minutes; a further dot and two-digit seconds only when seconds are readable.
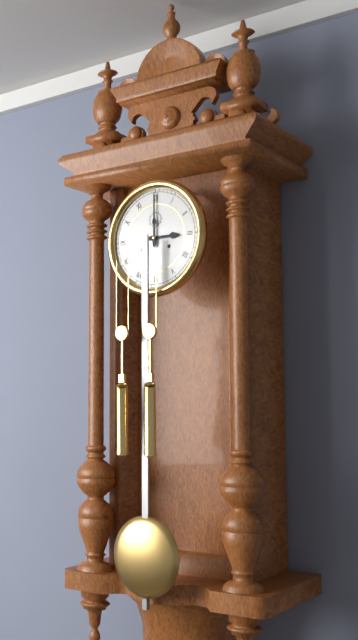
3.00
